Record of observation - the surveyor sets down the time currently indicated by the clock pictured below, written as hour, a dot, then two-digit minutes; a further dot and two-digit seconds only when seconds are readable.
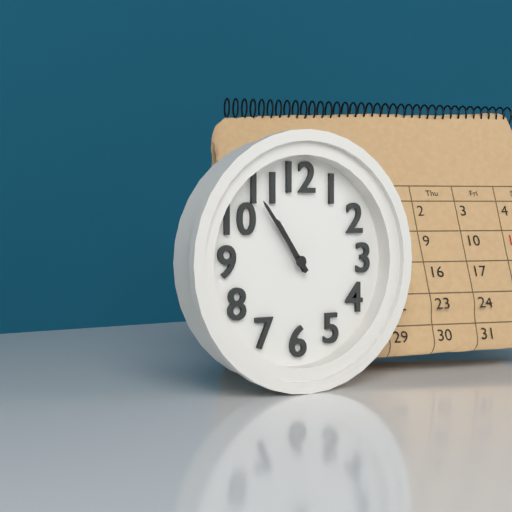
10.54
